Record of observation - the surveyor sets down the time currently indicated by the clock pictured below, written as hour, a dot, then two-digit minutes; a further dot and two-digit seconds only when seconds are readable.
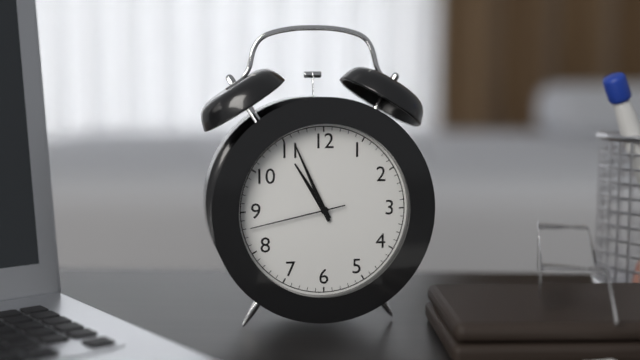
10.56.43
